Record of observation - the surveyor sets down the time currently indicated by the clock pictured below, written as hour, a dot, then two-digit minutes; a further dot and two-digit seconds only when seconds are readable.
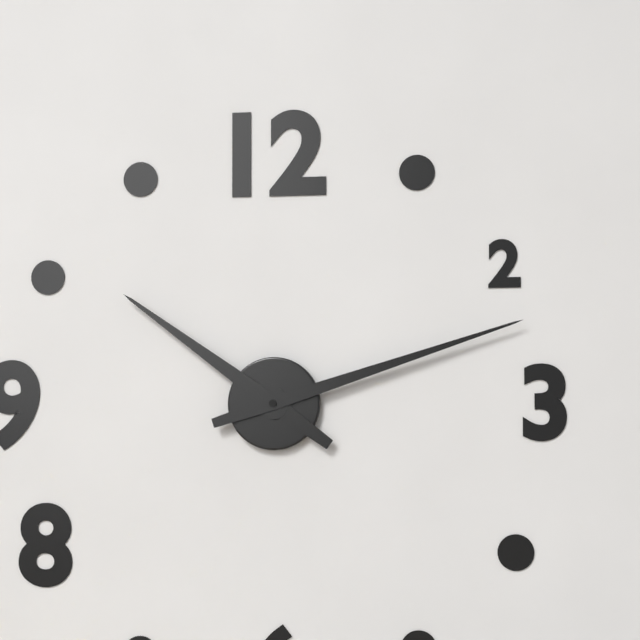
10.12
